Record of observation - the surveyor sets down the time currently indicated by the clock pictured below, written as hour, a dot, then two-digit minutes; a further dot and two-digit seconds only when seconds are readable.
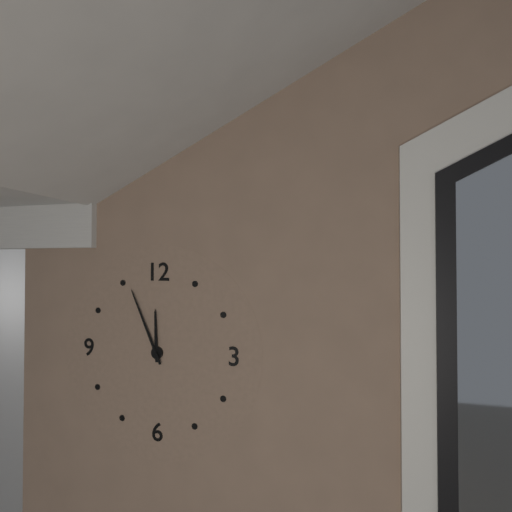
11.56
